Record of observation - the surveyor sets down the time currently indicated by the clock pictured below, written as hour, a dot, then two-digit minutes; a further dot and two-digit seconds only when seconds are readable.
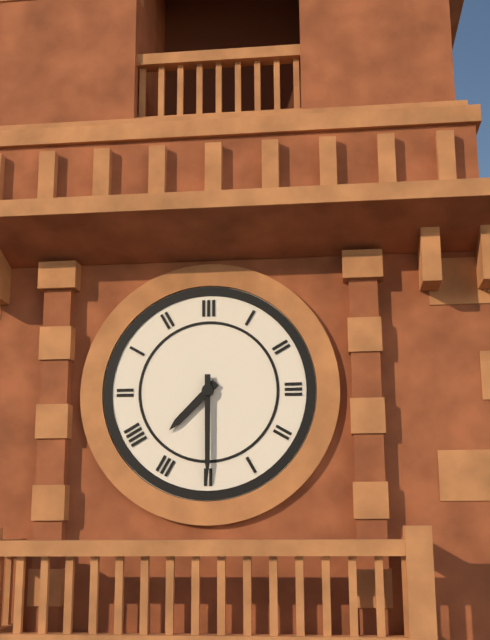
7.30
